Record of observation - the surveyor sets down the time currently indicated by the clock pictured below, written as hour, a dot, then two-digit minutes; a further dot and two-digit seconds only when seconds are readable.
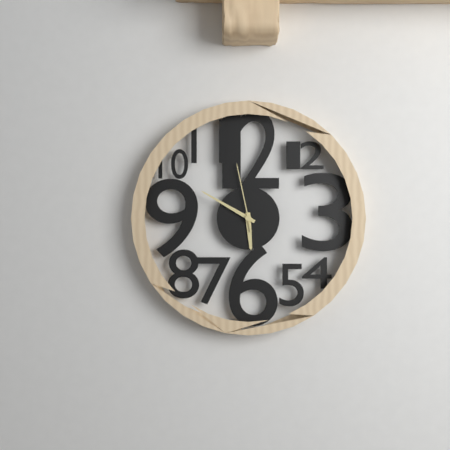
5.50.58
